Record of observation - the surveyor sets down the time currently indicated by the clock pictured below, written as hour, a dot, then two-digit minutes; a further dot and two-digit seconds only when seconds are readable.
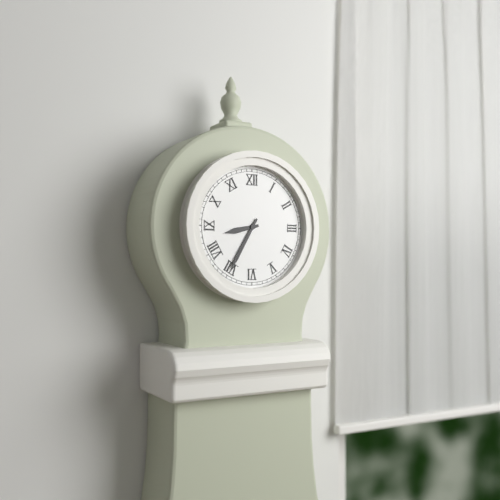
8.35
